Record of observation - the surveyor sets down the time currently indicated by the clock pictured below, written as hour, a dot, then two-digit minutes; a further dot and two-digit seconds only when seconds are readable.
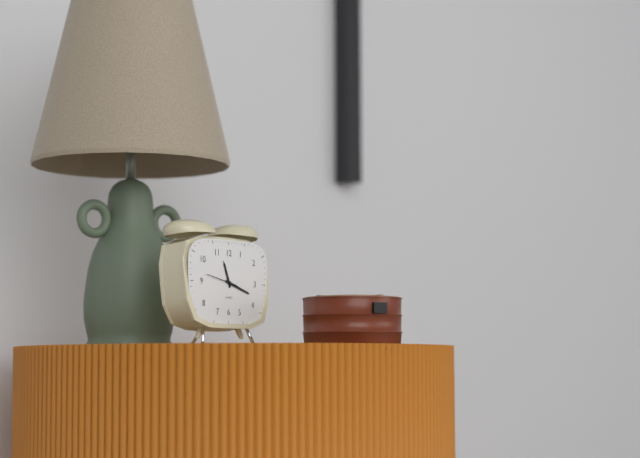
11.18
